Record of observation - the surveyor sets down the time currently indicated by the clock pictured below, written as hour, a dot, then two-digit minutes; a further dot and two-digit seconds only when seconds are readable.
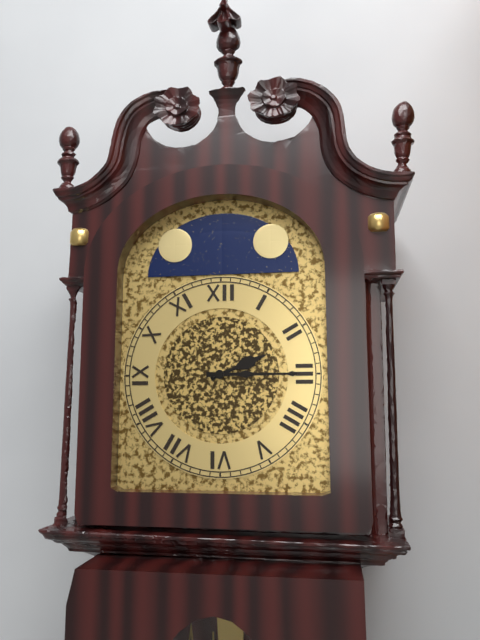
2.15
